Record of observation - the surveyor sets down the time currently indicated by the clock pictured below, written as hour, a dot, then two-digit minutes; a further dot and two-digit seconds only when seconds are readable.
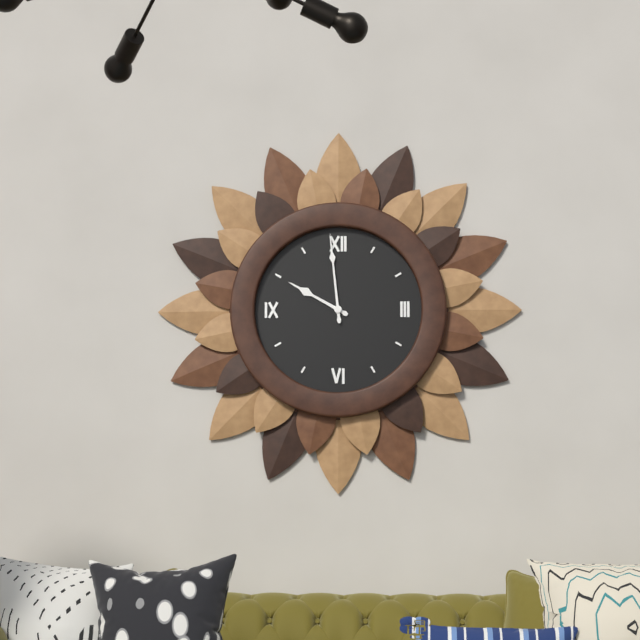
9.59
